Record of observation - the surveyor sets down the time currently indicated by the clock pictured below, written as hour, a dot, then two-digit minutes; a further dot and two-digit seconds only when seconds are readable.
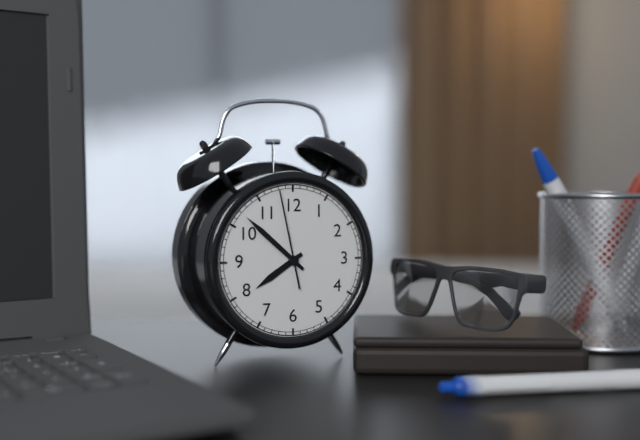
7.52.58
